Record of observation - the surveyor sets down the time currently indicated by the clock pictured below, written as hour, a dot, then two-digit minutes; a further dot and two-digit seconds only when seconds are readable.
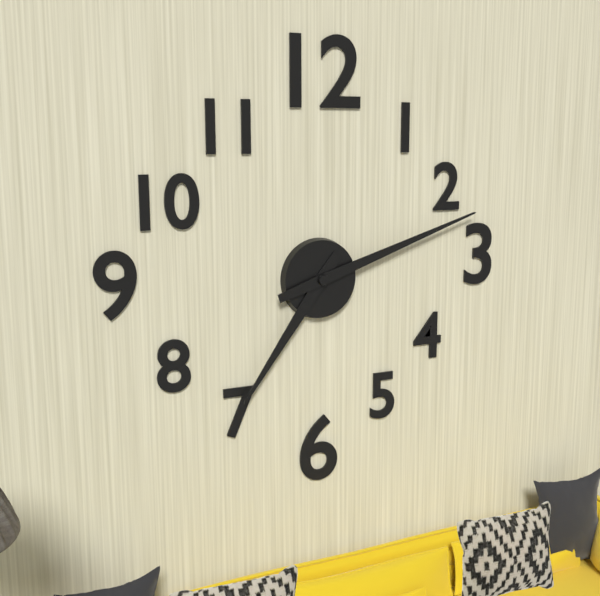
7.12
